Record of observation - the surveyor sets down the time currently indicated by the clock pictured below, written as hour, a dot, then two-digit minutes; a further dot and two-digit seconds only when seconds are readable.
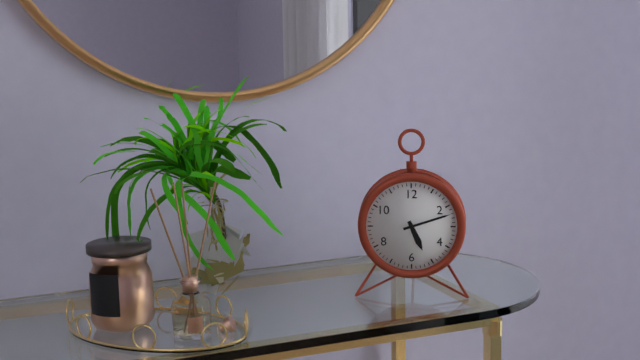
5.12
